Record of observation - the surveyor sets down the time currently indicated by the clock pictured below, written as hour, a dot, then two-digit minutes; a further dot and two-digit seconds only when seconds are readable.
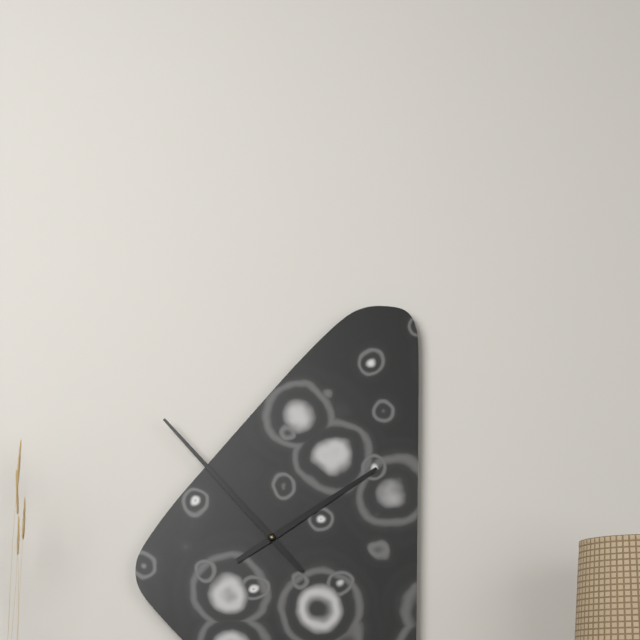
1.53
